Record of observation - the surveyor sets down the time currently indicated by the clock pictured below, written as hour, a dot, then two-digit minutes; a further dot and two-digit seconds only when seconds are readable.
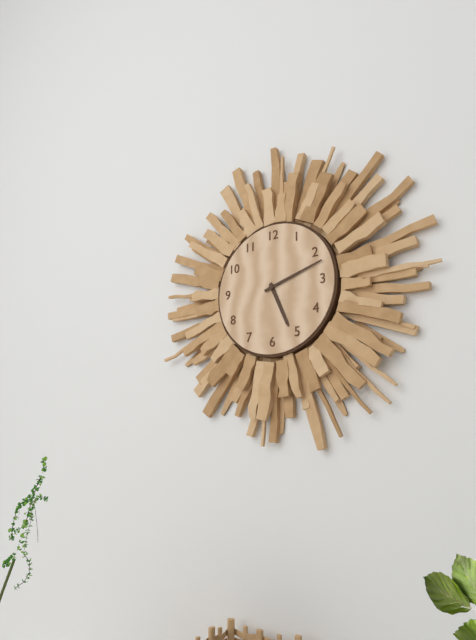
5.12
